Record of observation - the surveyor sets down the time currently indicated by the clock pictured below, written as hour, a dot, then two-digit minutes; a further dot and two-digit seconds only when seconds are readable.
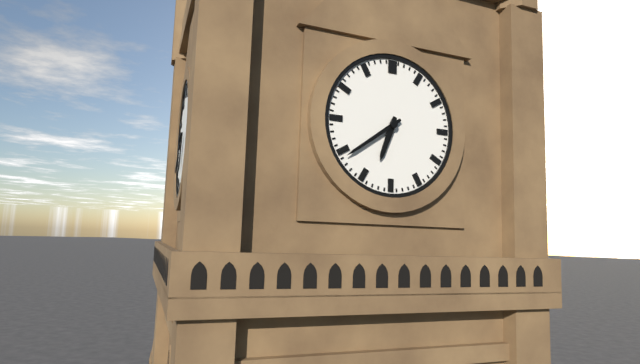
6.39
